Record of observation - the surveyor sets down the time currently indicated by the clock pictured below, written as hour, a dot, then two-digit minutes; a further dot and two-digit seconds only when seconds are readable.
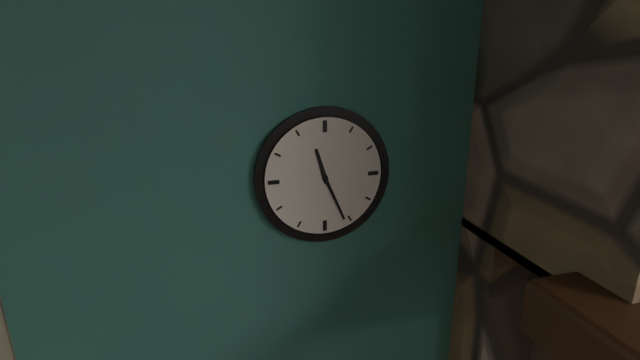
11.26
